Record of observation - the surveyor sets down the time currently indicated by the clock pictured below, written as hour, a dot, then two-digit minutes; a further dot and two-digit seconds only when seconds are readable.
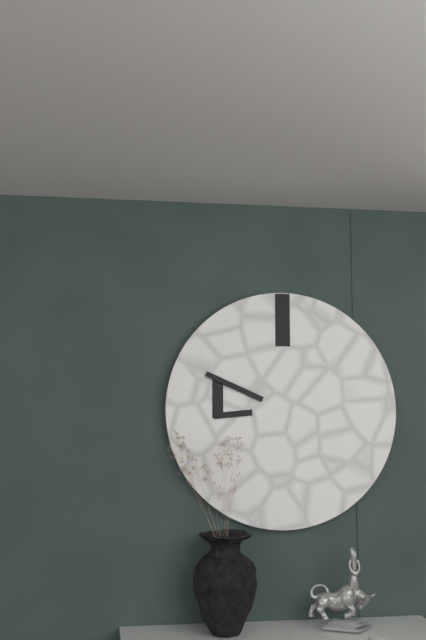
8.49
